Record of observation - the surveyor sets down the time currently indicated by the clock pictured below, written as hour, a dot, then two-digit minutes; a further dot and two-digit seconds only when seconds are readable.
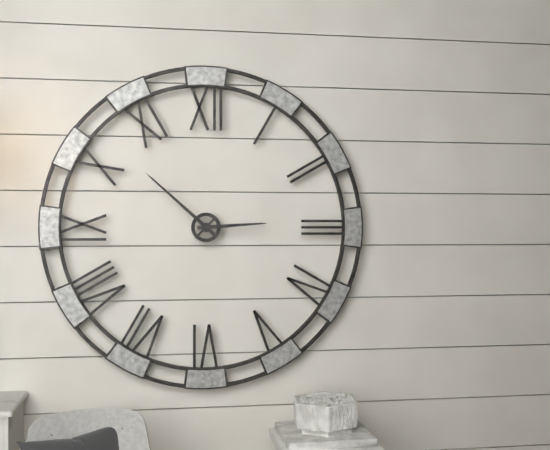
2.52
